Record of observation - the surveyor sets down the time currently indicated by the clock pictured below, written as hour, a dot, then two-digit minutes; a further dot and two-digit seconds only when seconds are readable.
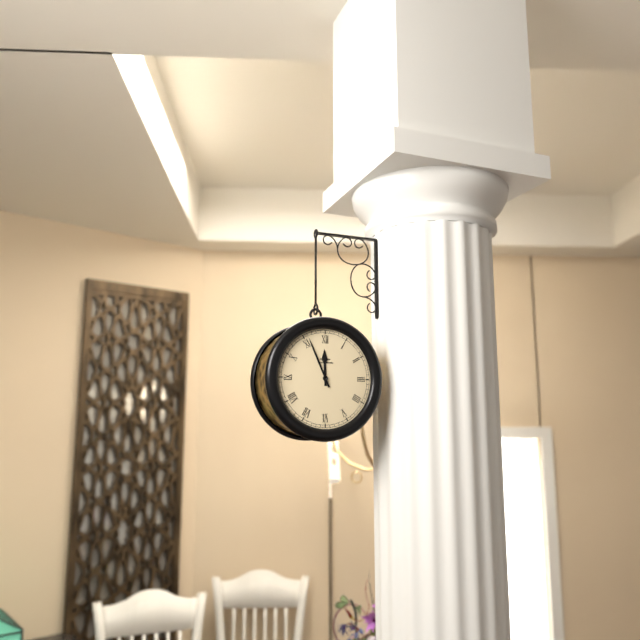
11.56
